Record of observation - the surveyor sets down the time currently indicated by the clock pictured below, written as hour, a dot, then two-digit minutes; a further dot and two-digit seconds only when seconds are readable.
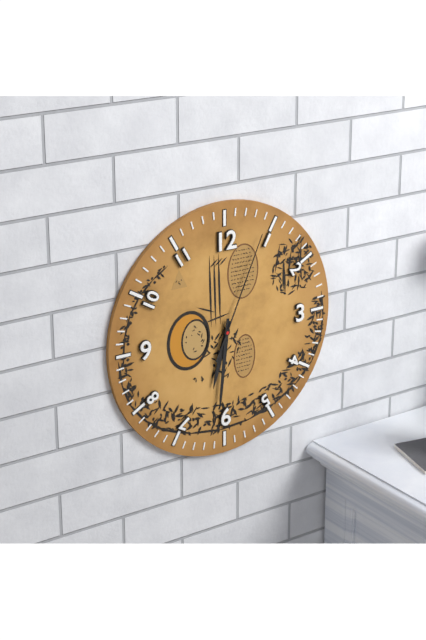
6.31.04
